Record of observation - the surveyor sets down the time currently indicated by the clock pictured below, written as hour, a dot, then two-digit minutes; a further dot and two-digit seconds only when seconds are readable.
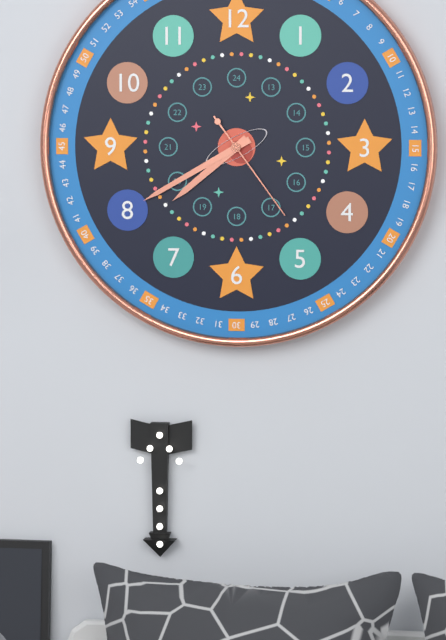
7.40.24
